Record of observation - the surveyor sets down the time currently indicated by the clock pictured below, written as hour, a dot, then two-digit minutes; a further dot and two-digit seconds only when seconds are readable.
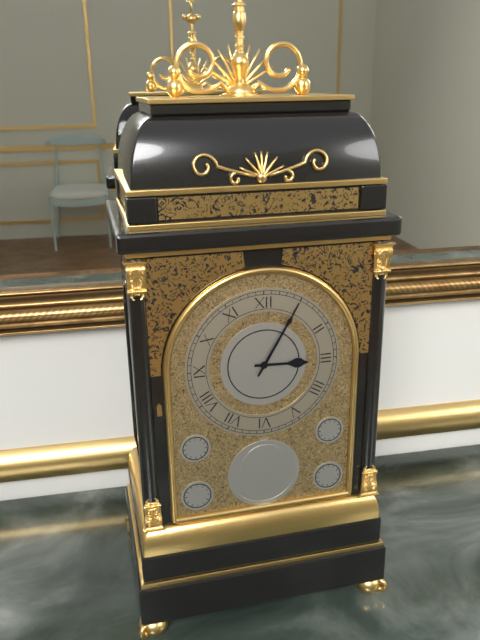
3.05
